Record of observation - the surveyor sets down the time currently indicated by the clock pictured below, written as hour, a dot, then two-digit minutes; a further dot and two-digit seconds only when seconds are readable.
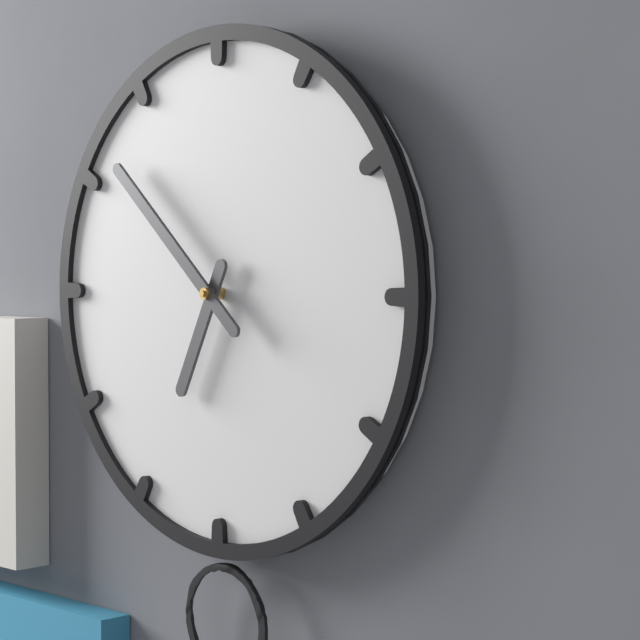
6.52
